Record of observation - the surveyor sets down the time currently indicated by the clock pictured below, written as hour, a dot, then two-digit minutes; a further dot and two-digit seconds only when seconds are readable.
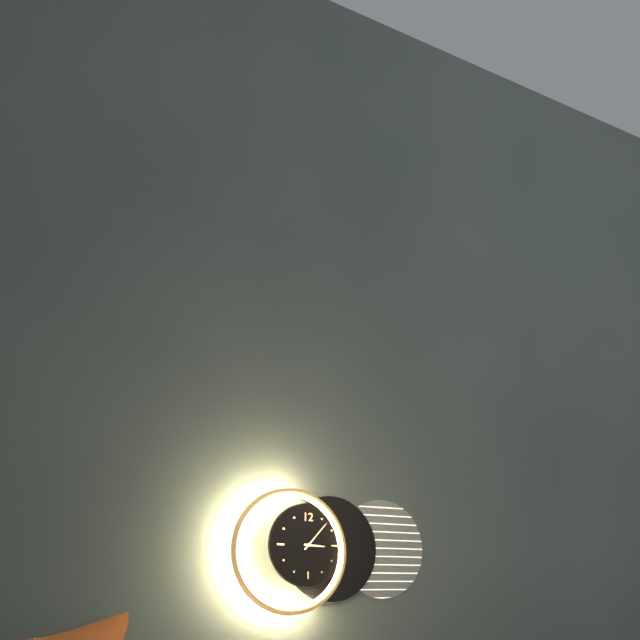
3.07
